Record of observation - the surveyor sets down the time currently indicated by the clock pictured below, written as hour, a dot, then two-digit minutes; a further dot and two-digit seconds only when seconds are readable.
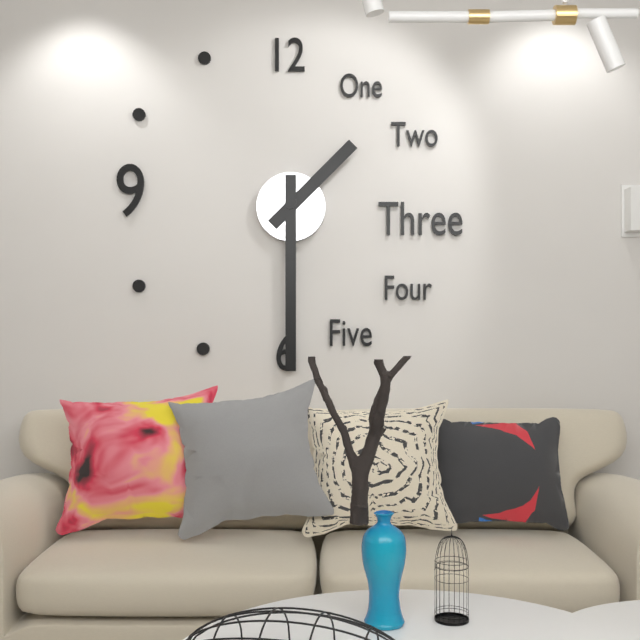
1.30
